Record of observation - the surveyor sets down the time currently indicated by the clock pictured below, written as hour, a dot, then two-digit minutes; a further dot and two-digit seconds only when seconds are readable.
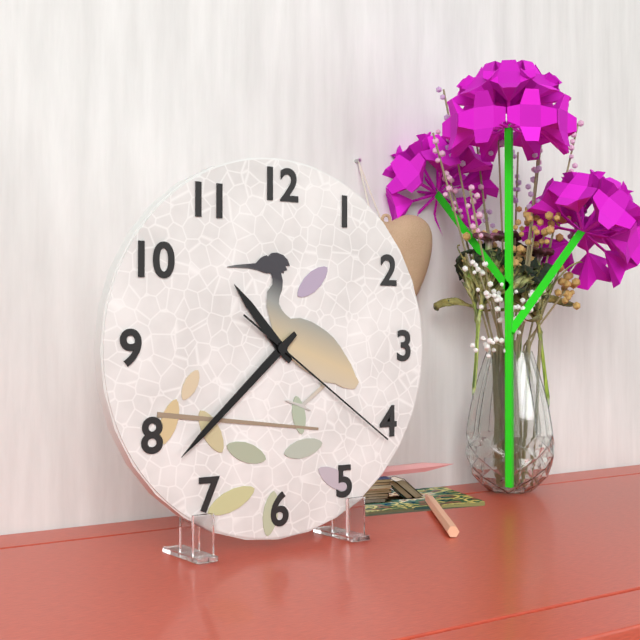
10.38.21
